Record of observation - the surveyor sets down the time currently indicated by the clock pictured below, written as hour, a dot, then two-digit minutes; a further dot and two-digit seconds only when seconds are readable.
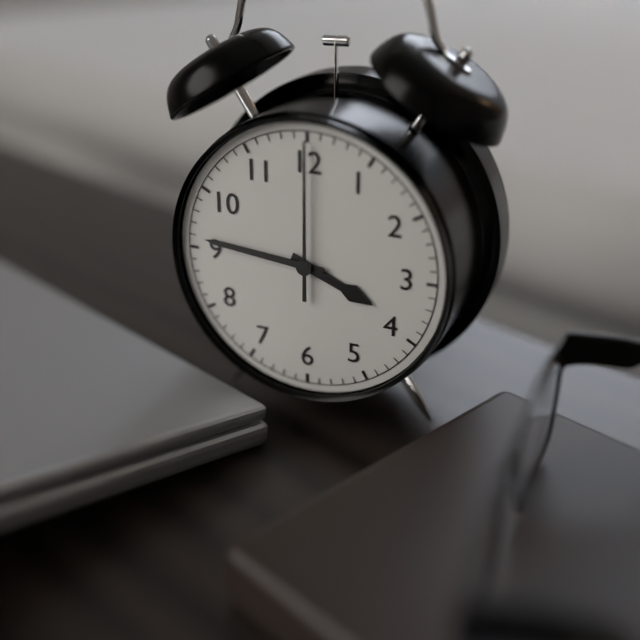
3.46.00
